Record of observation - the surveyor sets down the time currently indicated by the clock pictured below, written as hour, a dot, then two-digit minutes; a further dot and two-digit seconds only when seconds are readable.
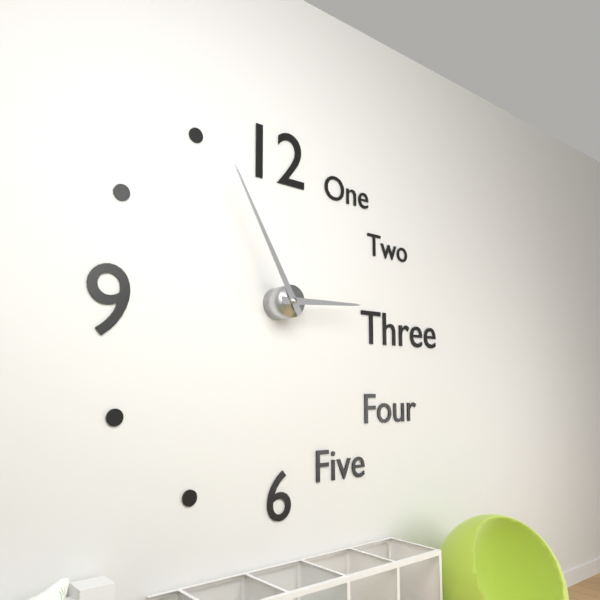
2.55
